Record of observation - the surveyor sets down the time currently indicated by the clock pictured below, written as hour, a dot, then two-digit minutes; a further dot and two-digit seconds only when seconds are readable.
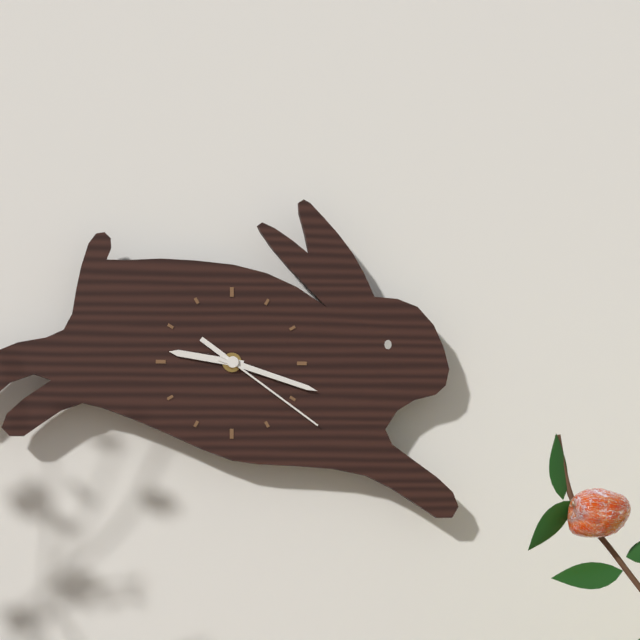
9.18.21
